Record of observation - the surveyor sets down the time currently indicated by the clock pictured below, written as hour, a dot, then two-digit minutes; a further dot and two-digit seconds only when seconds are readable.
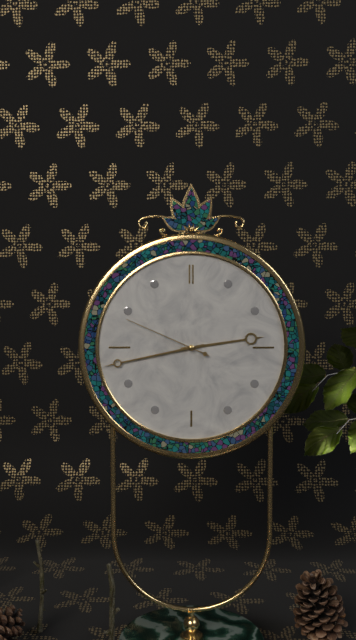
2.43.49
